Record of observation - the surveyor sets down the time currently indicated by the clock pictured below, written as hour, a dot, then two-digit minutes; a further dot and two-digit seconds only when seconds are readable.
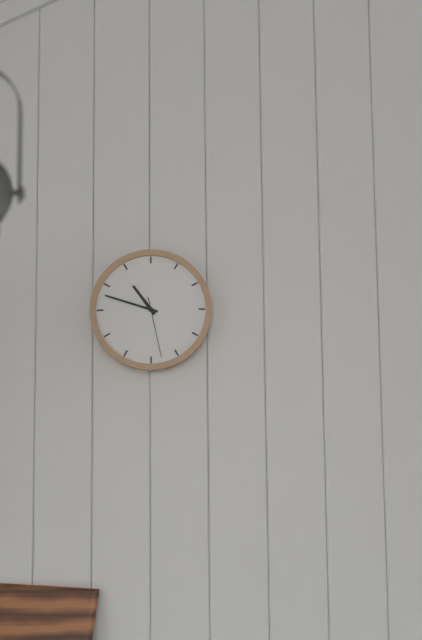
10.48.28
